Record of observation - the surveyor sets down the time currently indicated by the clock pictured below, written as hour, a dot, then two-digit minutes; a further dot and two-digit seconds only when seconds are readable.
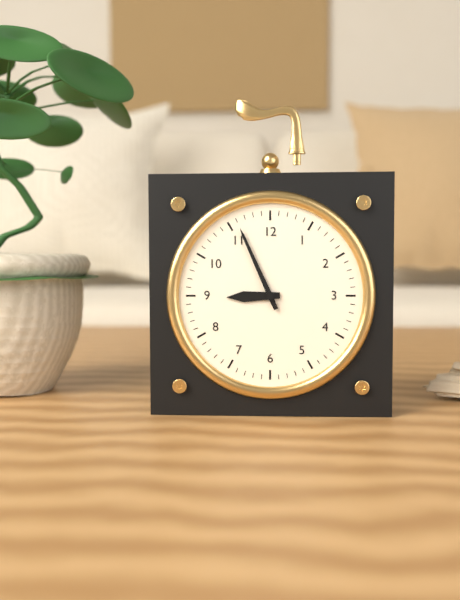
8.56
